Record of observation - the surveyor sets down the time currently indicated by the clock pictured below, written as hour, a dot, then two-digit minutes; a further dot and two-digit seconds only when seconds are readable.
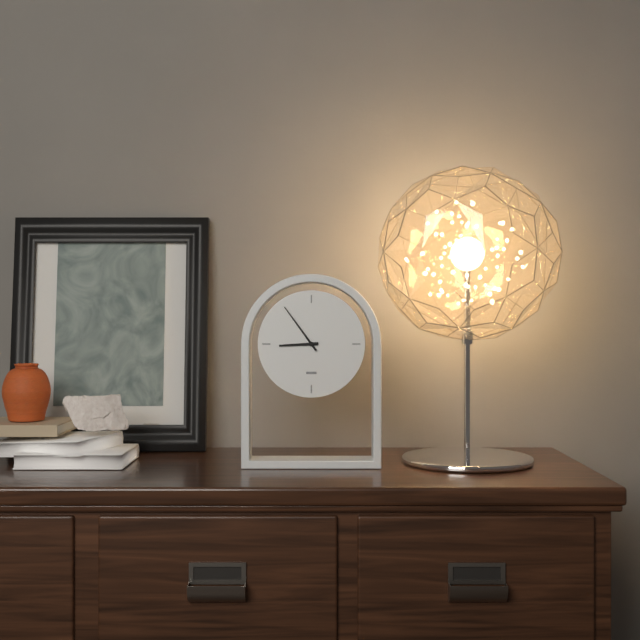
8.54
